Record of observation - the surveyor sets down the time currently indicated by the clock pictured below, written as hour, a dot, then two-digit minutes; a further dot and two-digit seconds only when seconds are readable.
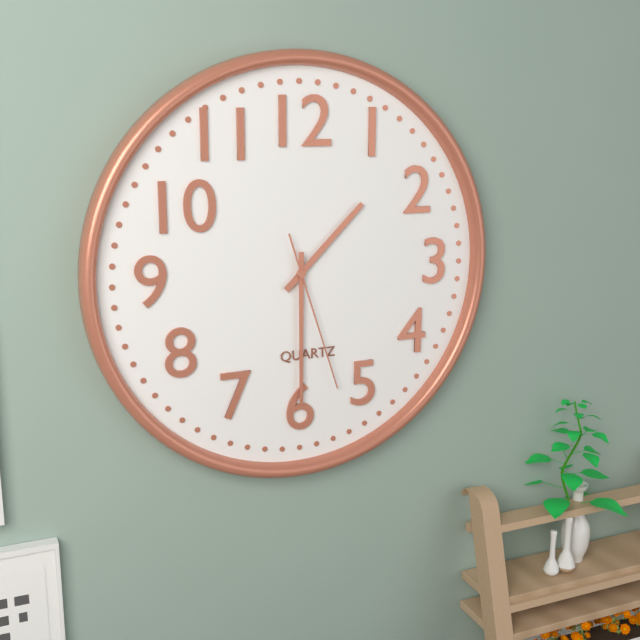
1.30.27
